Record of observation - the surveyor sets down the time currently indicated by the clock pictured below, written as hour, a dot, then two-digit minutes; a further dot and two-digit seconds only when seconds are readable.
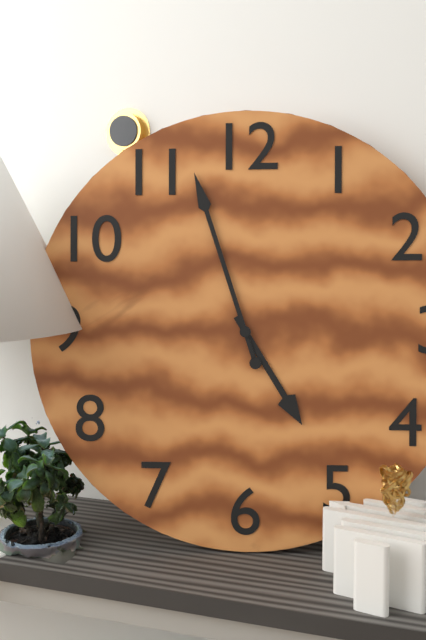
4.57
